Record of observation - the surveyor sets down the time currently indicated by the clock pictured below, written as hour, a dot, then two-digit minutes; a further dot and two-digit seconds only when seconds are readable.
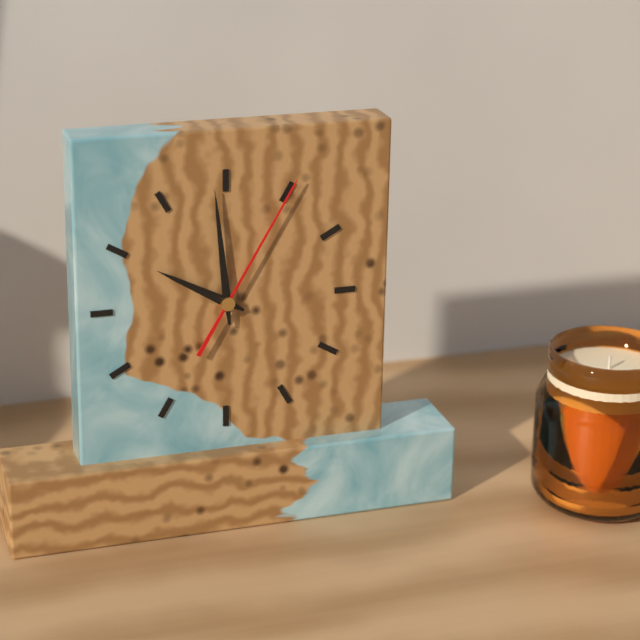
9.59.05
